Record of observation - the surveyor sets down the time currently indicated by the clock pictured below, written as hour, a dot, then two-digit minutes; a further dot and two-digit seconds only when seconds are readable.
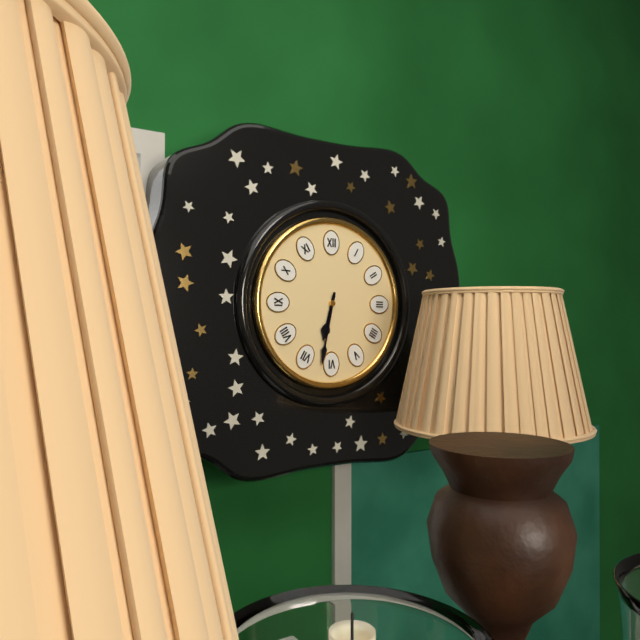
6.32
